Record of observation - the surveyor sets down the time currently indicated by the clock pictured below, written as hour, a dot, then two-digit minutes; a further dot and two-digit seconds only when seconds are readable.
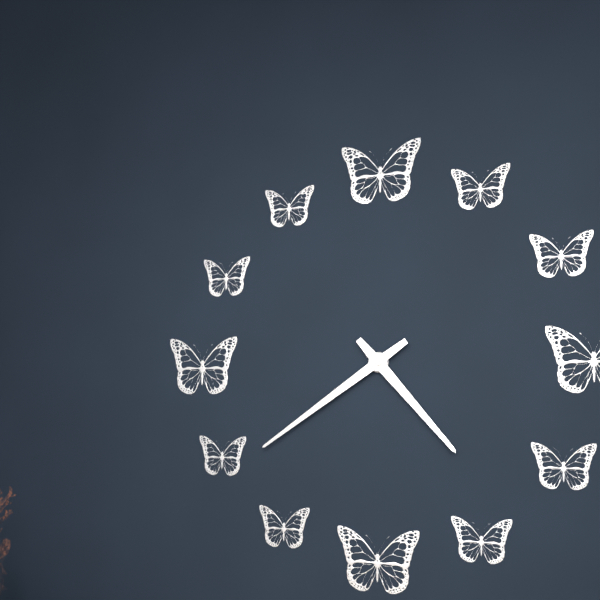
4.39
